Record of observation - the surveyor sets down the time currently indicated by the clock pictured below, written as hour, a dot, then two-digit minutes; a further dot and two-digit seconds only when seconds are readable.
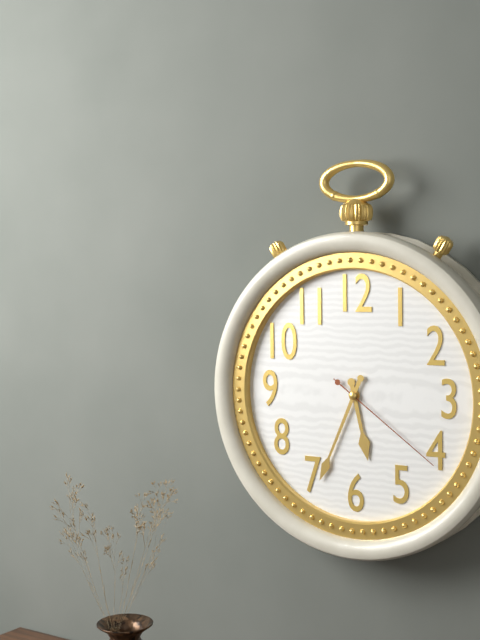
5.34.21
